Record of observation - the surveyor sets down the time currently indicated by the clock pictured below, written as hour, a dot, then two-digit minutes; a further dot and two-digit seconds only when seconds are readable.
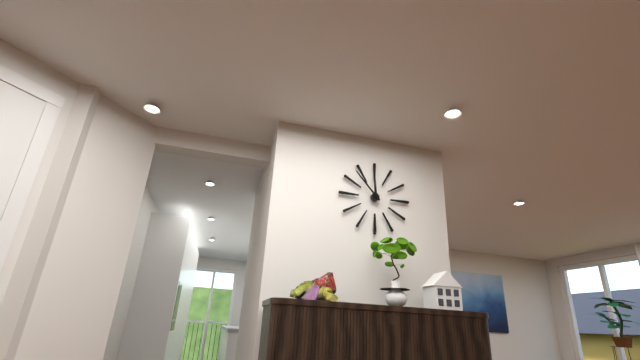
11.53
